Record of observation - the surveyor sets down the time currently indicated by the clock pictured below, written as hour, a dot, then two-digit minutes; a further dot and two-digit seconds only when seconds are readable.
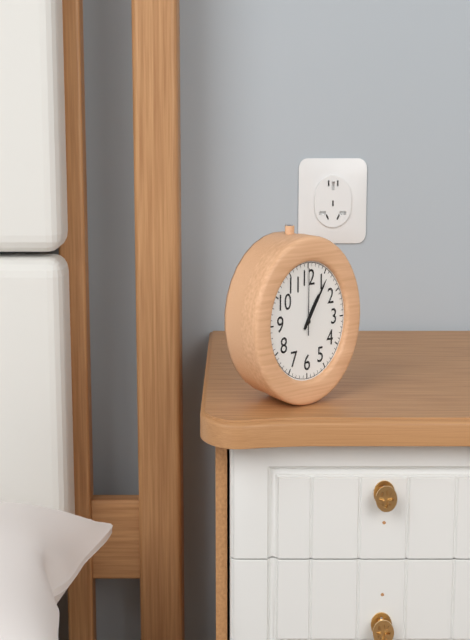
1.06.00
